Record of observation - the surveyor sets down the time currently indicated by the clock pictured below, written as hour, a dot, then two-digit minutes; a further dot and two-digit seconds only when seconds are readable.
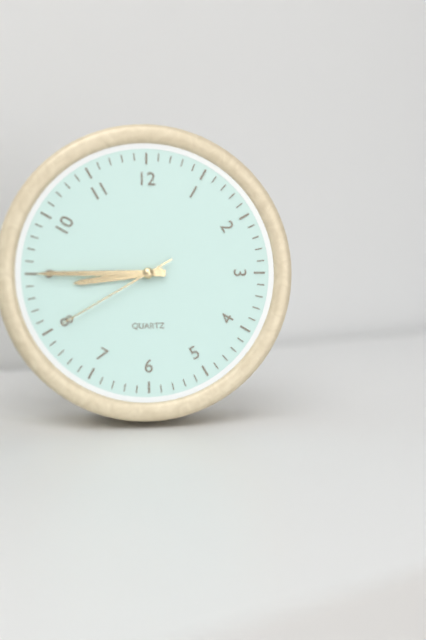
8.45.40
